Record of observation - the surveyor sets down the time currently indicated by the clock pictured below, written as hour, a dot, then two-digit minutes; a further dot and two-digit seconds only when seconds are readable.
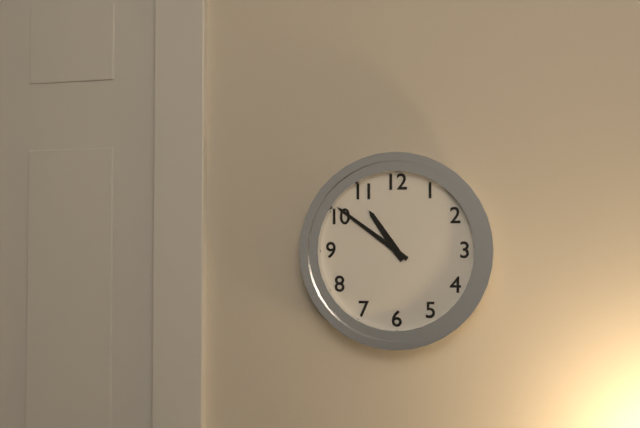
10.51
